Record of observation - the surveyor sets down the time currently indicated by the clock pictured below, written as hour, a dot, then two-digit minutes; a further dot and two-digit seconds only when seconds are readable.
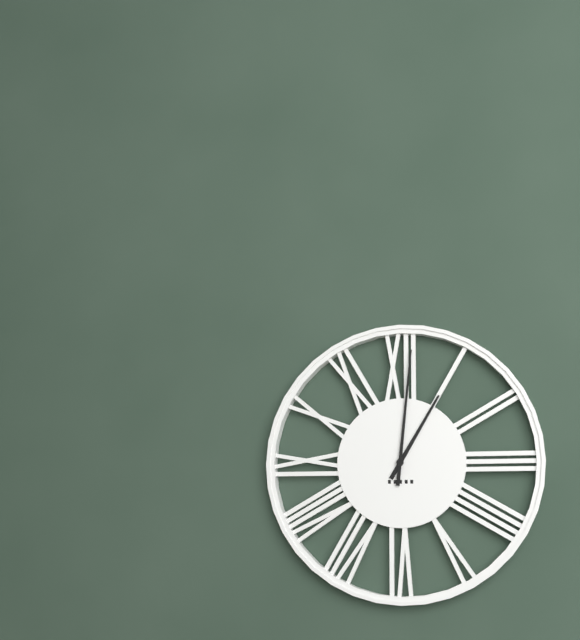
1.01
